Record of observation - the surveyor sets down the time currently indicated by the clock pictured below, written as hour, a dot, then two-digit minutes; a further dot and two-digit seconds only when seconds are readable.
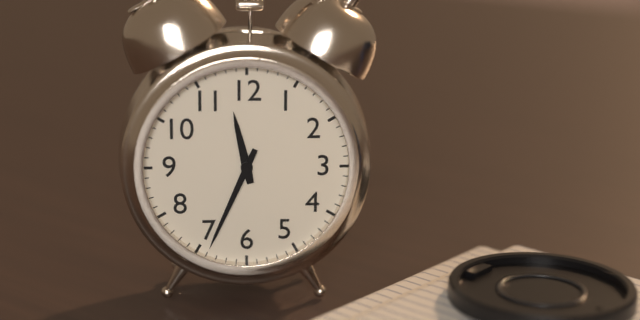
11.34
